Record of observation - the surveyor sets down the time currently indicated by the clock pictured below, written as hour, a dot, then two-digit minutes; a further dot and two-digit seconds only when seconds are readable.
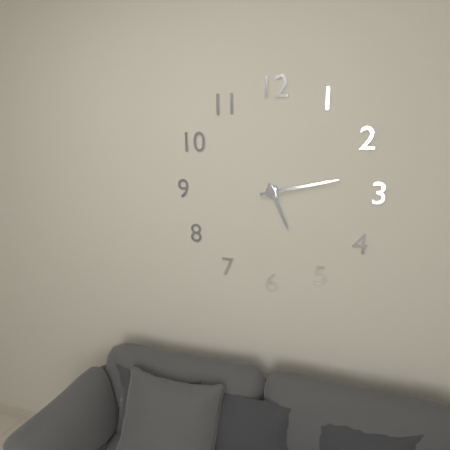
5.13
